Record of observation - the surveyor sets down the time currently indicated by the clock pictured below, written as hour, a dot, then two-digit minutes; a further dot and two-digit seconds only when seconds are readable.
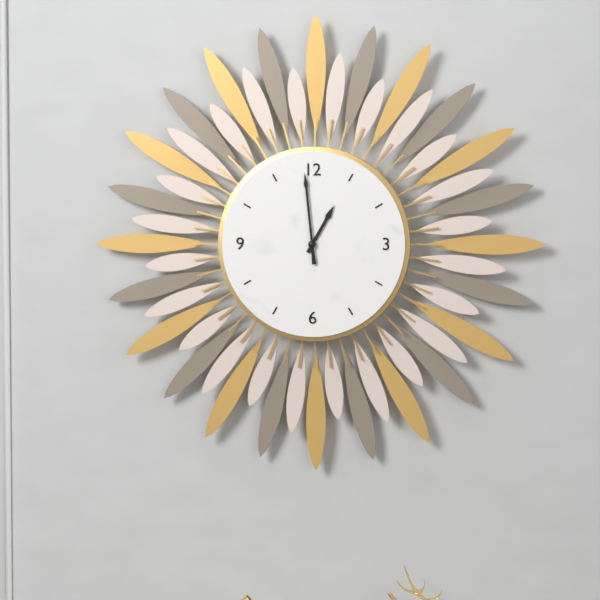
12.59
